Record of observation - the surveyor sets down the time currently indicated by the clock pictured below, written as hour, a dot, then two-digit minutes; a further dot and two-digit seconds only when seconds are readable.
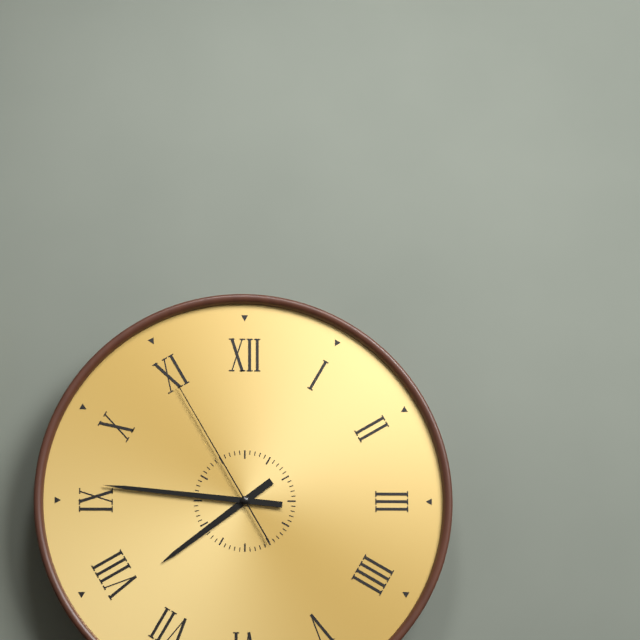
7.46.55
